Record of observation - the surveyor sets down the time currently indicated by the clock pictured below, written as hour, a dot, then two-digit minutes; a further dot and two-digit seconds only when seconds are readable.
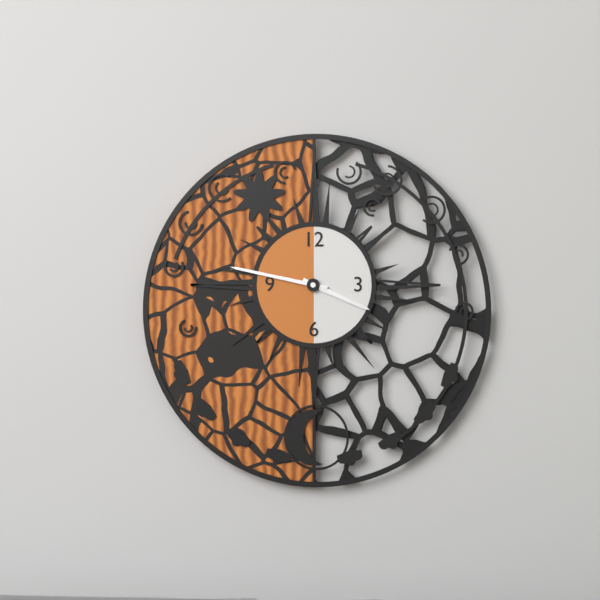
3.47
